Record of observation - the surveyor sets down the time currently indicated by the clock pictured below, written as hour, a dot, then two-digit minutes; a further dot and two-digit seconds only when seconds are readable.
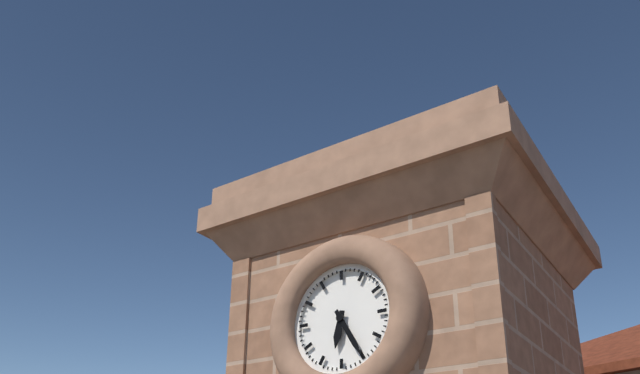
6.25
